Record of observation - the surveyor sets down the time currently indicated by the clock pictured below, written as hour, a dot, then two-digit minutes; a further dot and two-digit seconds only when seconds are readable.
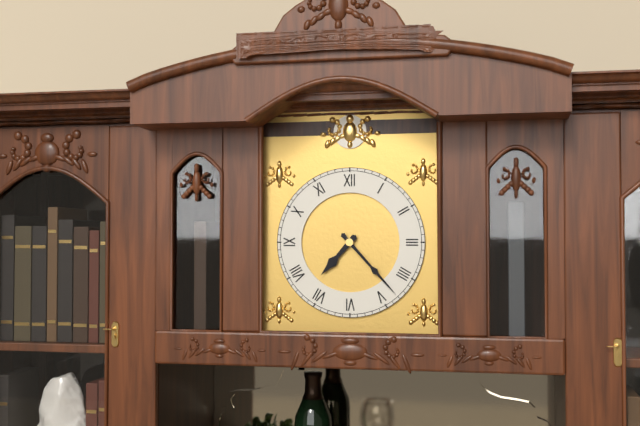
7.23
